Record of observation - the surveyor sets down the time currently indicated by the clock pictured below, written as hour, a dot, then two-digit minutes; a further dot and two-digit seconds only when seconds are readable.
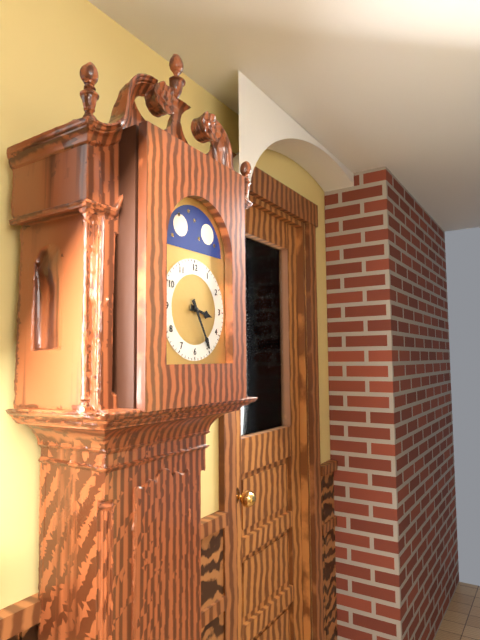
3.25
